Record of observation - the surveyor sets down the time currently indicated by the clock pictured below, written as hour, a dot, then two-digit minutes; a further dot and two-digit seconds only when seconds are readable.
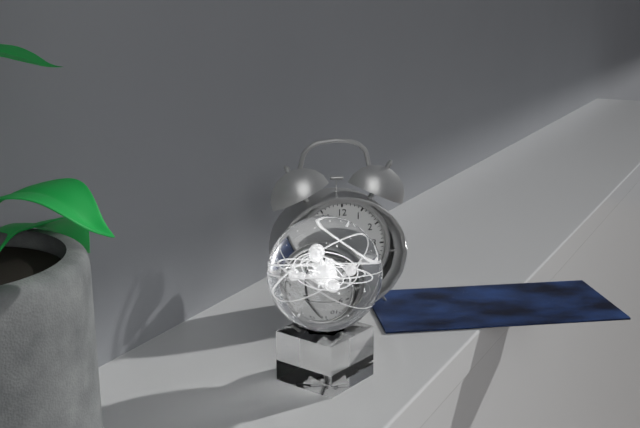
5.56
